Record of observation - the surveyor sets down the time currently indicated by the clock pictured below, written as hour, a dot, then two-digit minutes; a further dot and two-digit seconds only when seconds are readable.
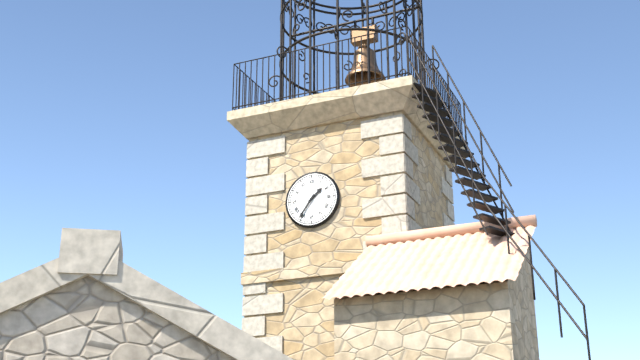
1.36
